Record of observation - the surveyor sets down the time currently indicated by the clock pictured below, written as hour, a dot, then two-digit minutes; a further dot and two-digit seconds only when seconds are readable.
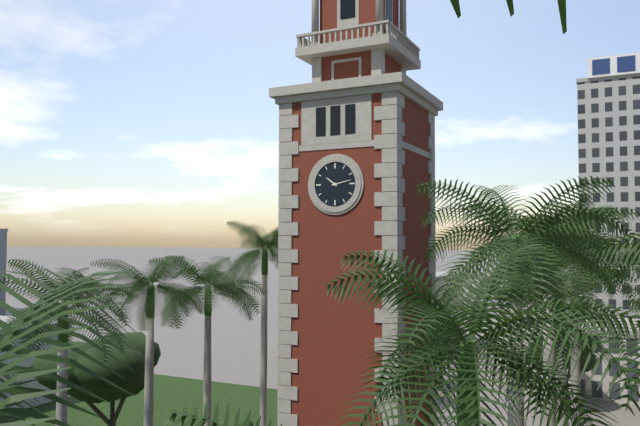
10.13
